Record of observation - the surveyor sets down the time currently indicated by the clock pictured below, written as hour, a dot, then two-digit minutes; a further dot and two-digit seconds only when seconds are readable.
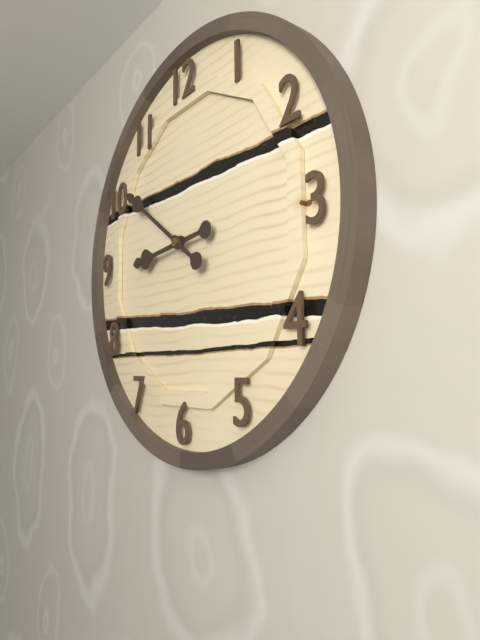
8.51
